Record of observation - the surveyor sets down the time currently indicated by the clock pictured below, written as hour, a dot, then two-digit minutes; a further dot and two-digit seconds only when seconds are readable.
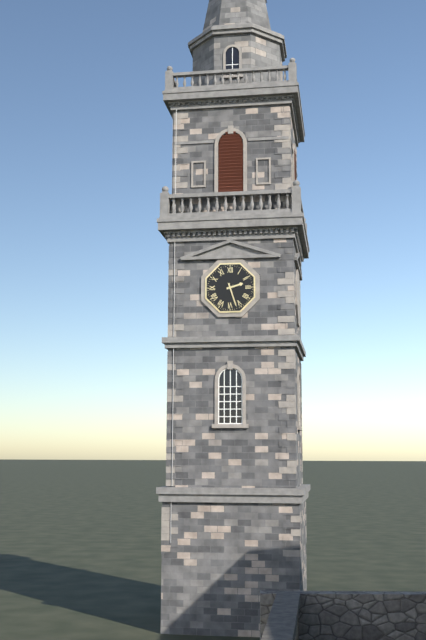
2.27
